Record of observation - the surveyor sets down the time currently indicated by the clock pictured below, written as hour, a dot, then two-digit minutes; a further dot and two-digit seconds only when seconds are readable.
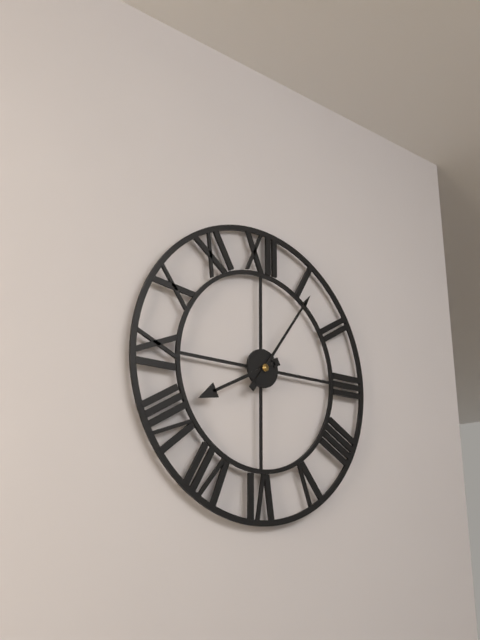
8.06
